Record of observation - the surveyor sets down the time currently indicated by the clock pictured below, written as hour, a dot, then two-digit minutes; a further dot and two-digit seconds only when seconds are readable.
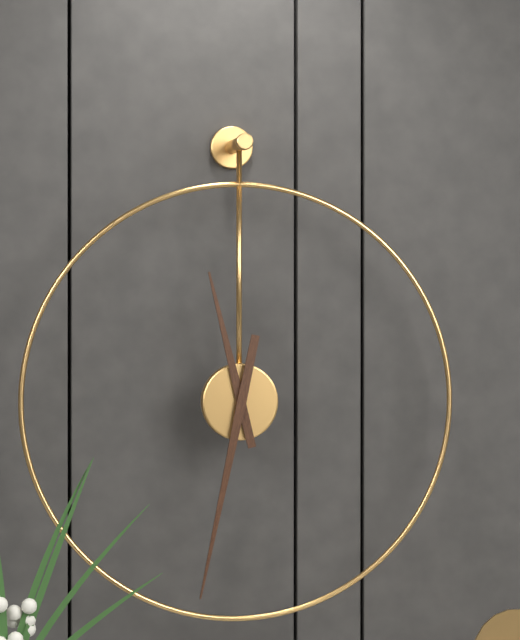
11.32
